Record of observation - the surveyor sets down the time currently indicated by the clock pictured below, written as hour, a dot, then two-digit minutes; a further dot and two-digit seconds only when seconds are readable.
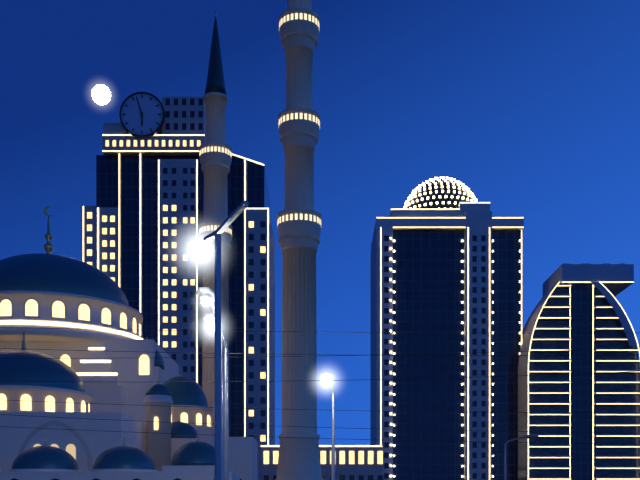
5.57
